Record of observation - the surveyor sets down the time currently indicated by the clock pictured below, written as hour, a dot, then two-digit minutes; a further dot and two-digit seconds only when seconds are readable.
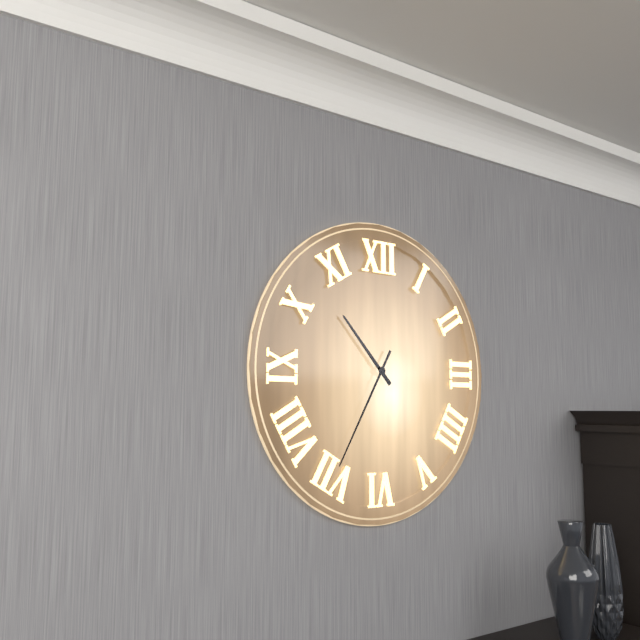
10.35
